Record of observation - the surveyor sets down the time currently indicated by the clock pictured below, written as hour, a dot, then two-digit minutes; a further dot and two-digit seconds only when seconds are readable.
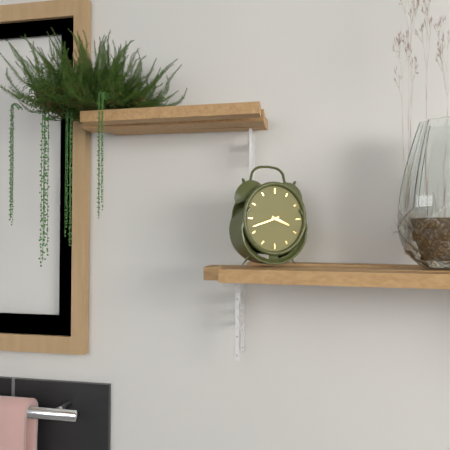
3.42
